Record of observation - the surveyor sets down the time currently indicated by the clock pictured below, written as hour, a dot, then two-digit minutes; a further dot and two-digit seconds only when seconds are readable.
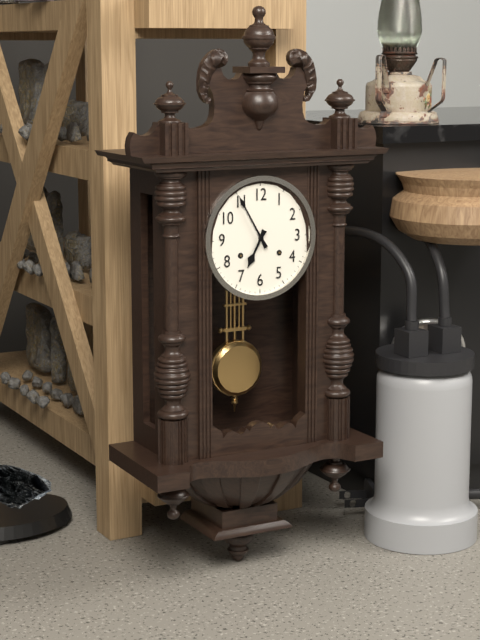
6.55
